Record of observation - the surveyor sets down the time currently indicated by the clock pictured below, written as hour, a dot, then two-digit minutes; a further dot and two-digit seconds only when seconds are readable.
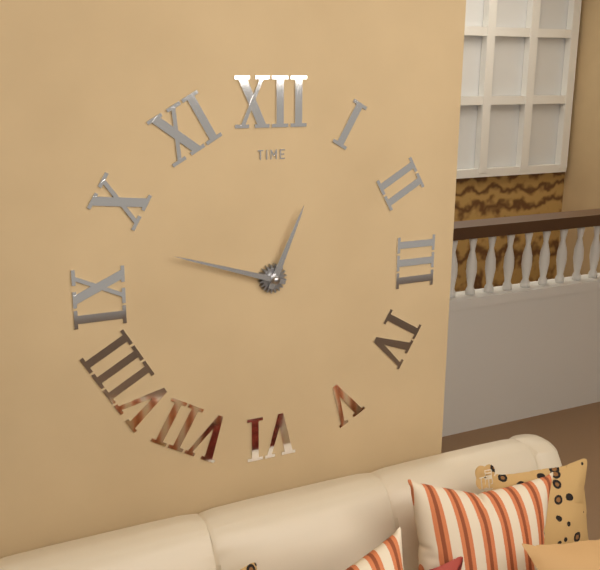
12.48
